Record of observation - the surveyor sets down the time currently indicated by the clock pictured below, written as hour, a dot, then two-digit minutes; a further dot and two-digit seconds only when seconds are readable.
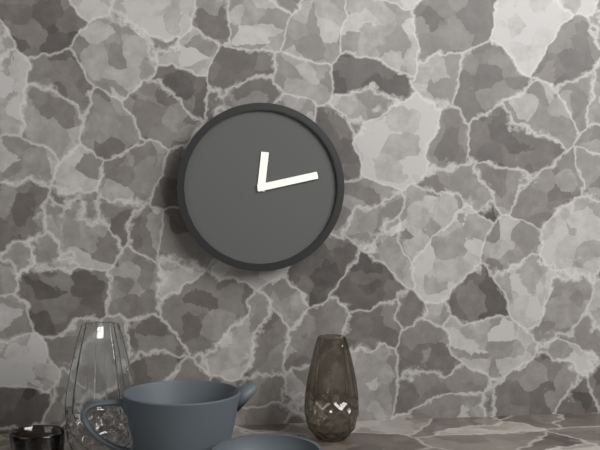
12.13
